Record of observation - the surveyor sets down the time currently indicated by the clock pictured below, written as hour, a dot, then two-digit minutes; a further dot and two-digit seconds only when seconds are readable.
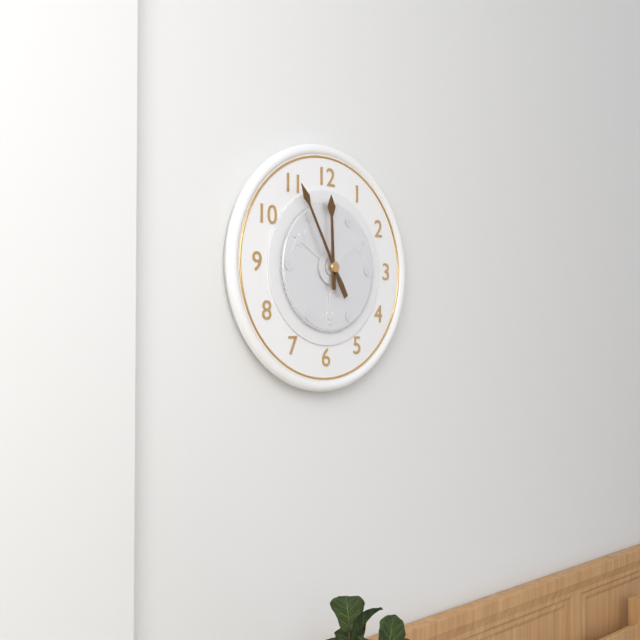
11.55
